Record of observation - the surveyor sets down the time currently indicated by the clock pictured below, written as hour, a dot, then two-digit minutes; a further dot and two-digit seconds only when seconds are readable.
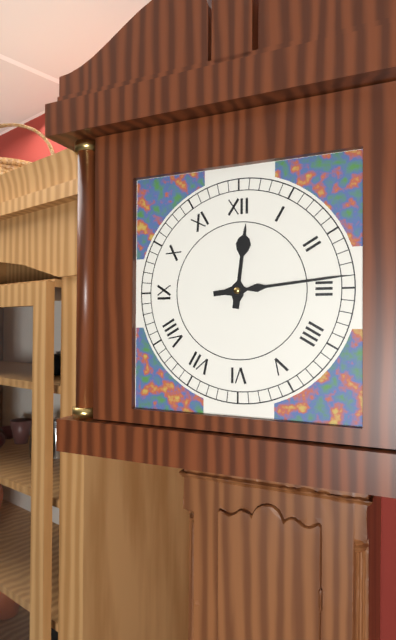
12.14
